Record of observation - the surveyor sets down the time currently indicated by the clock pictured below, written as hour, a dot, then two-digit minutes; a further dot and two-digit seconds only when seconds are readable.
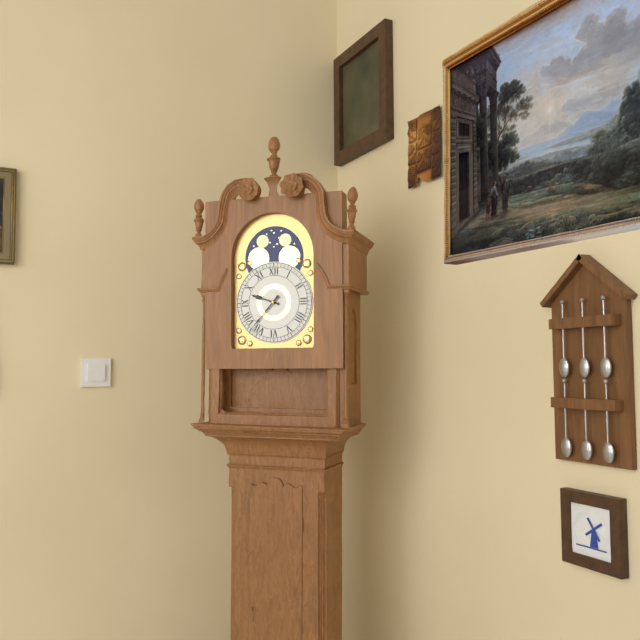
9.37
